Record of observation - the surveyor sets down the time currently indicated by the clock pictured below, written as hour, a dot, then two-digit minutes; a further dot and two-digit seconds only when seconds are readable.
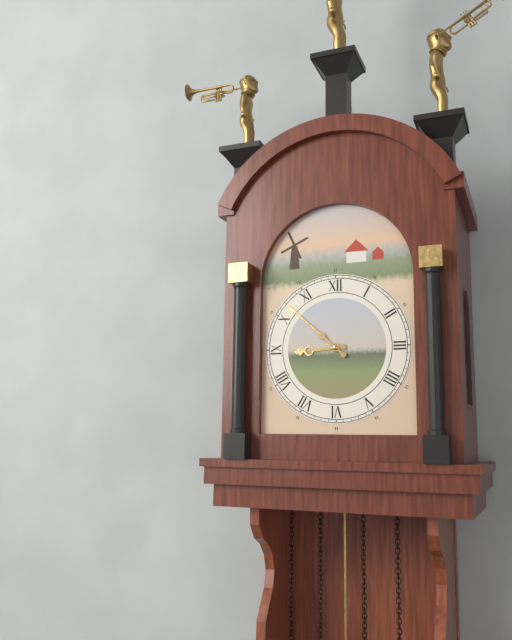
8.52
